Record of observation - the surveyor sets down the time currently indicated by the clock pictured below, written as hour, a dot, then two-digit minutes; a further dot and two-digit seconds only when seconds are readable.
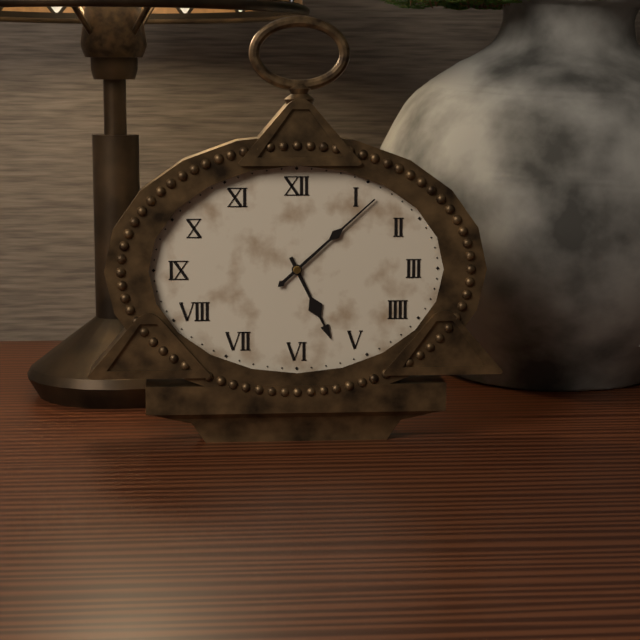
5.08
